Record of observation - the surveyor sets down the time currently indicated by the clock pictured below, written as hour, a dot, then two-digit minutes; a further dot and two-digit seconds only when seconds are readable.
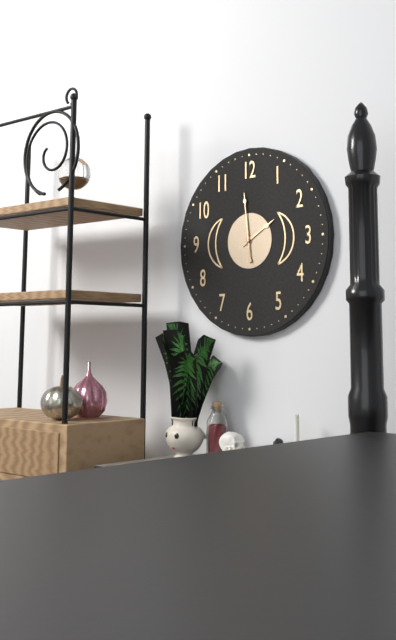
1.59
